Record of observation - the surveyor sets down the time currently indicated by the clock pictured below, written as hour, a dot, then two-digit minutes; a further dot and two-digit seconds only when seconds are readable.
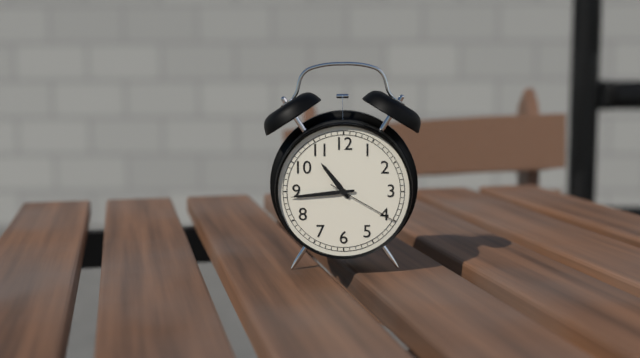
10.44.20
